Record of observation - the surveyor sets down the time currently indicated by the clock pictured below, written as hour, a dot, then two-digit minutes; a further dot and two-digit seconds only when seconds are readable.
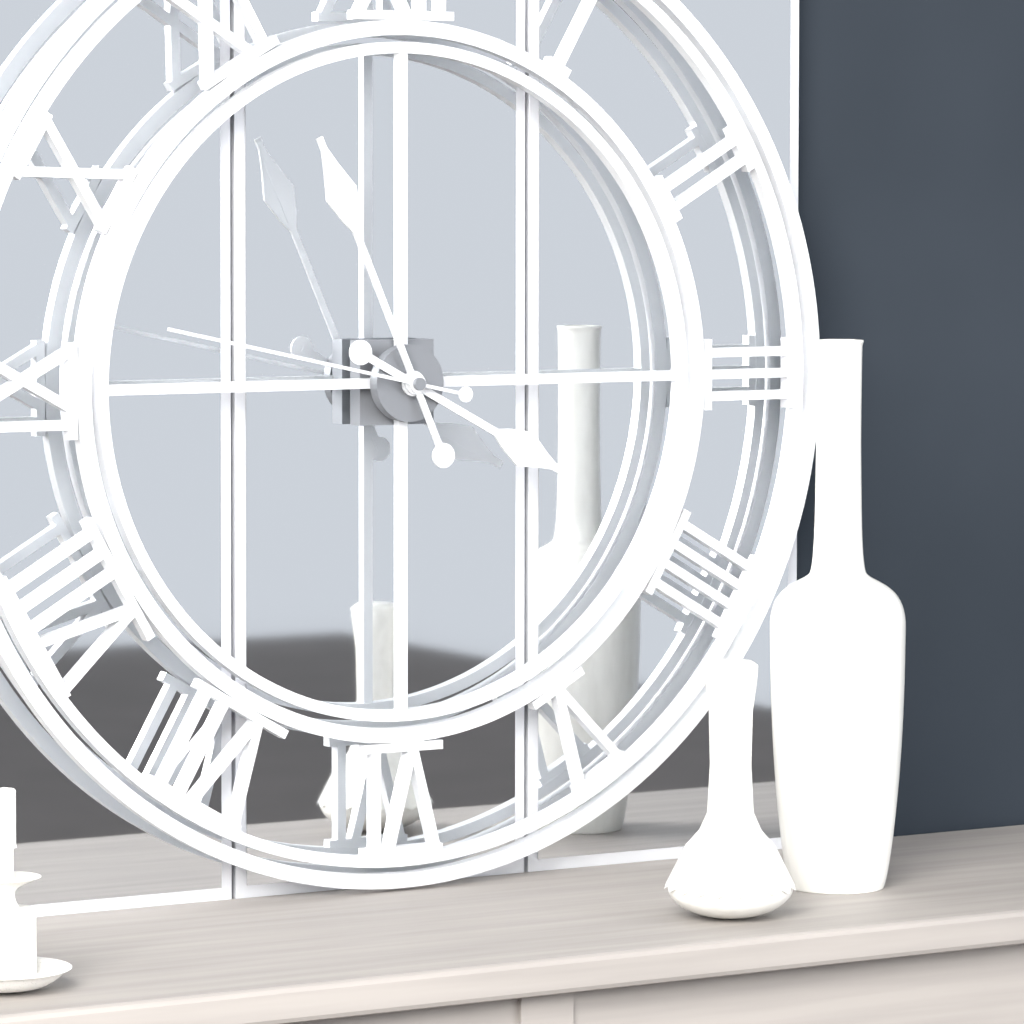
3.56.47
